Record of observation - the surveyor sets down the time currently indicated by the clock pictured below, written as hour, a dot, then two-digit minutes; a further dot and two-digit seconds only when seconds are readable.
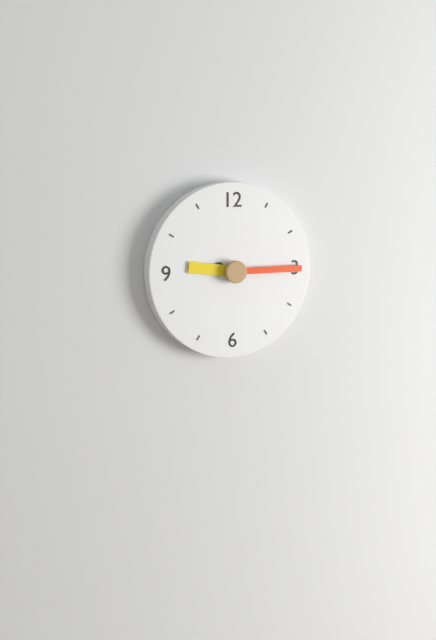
9.15
